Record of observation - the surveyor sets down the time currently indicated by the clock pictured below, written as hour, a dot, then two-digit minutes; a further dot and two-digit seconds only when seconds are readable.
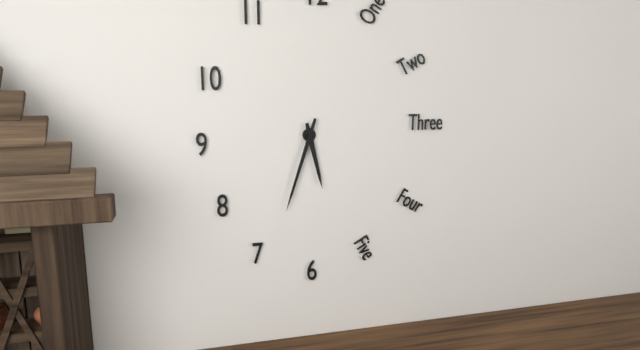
5.33
